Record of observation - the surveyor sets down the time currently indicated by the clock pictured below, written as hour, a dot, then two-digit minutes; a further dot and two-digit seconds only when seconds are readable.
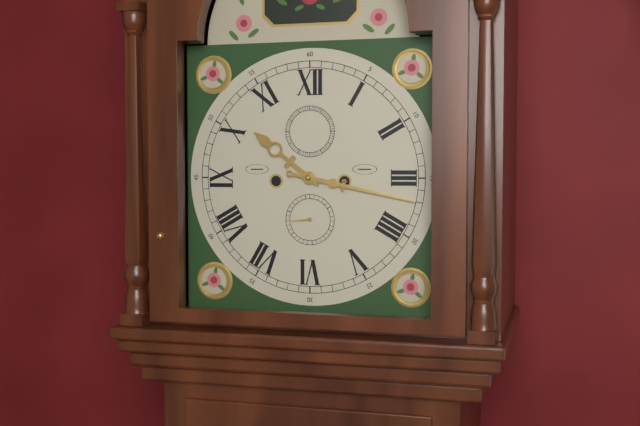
10.17
